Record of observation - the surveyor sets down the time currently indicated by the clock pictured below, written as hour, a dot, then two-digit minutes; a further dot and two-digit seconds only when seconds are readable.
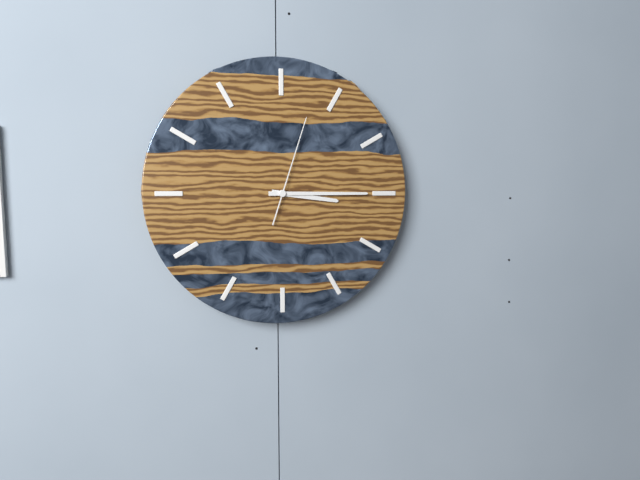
3.15.03
